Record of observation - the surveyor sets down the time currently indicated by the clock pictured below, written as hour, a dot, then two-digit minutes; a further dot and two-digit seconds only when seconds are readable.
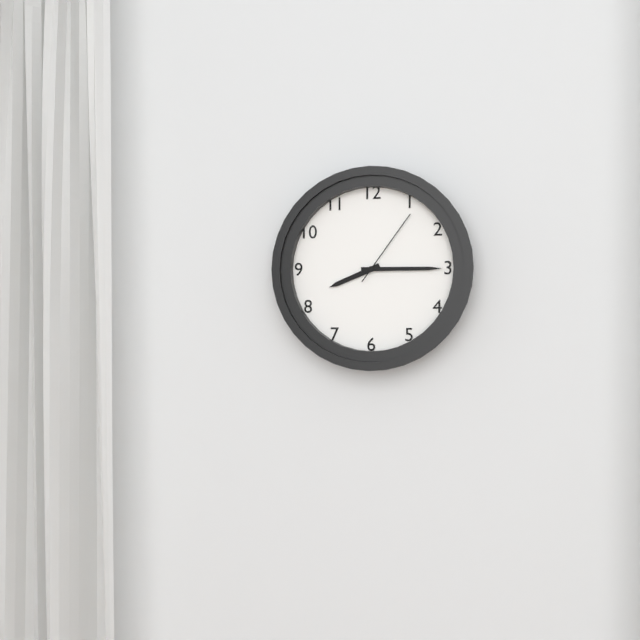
8.15.06
